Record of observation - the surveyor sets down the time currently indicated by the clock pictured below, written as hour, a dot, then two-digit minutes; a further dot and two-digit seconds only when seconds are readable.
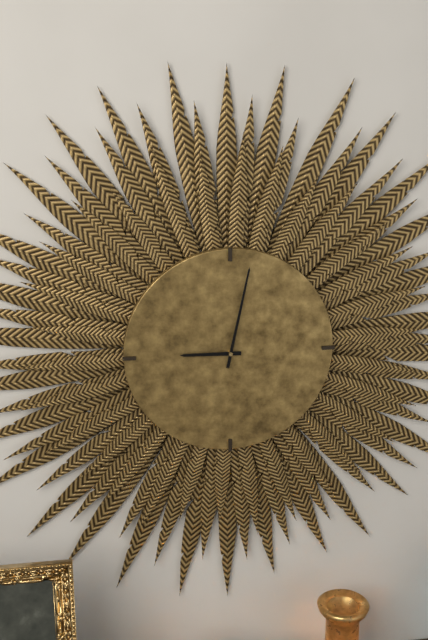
9.02
